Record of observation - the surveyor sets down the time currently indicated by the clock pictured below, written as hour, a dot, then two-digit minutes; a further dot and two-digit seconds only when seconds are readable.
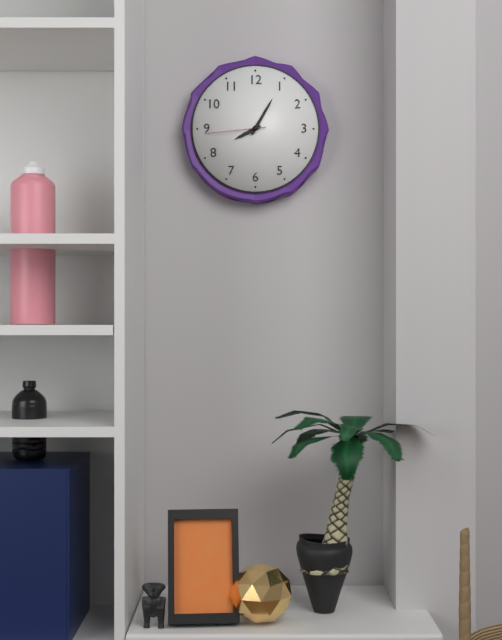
8.05.44
